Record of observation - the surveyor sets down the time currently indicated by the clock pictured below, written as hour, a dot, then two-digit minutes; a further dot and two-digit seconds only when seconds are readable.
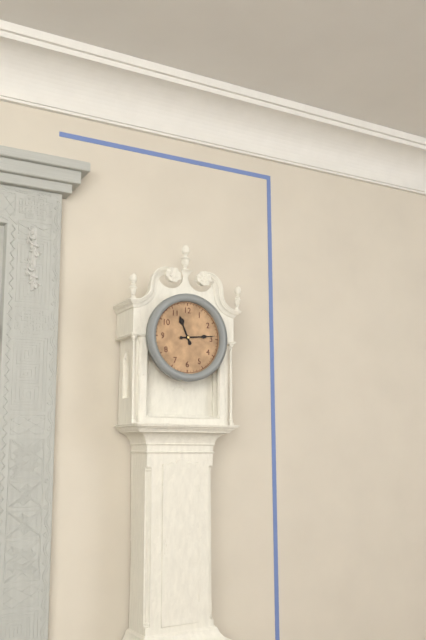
11.14
